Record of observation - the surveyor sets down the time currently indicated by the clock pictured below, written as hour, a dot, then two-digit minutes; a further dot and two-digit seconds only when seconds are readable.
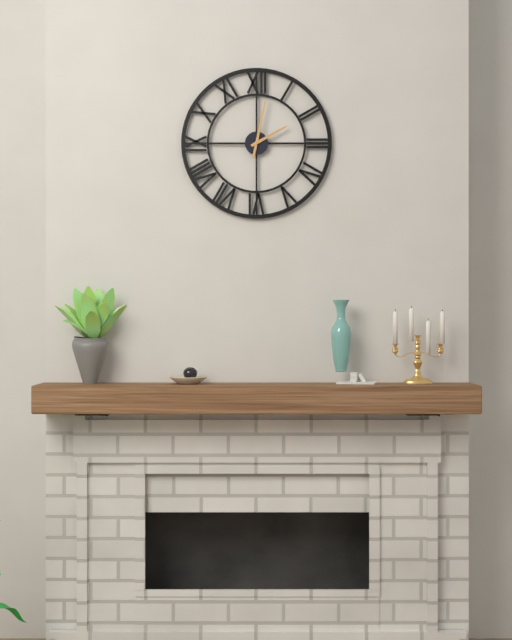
2.02
